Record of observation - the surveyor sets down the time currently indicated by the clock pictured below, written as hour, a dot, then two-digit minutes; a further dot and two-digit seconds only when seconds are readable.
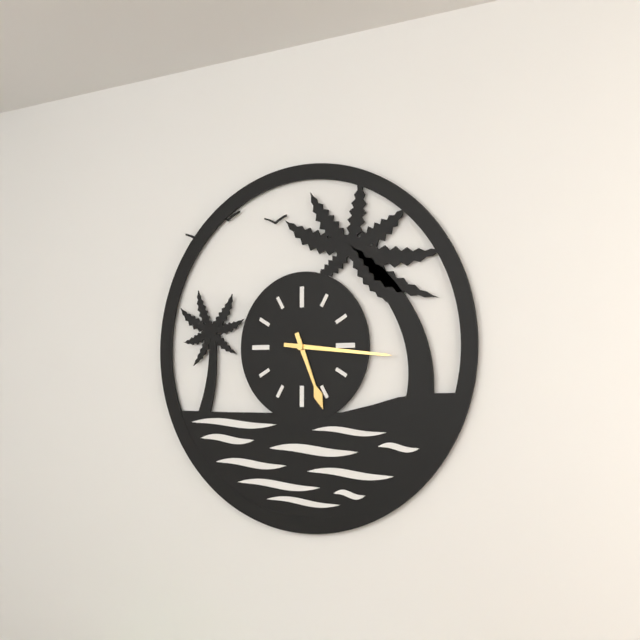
5.16
